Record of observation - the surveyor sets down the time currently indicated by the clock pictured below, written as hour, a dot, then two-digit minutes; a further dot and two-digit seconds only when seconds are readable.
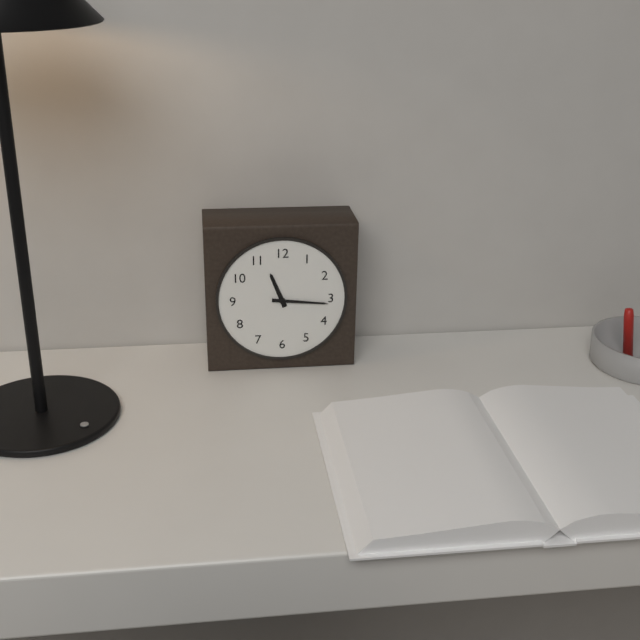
11.16
